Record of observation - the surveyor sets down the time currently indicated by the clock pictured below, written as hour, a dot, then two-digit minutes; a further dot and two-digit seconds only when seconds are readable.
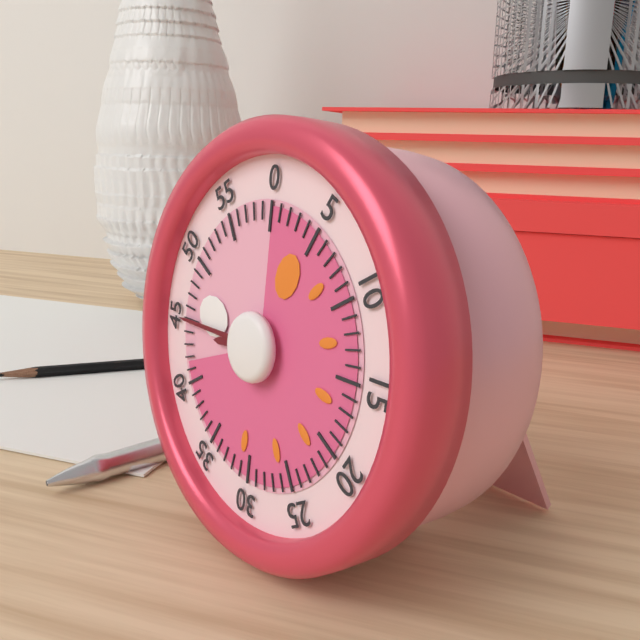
8.45
